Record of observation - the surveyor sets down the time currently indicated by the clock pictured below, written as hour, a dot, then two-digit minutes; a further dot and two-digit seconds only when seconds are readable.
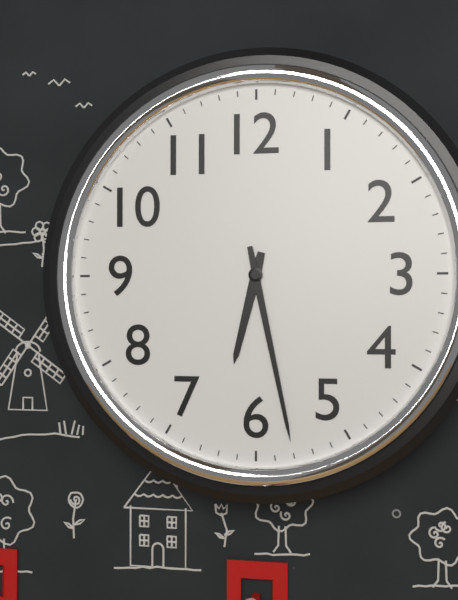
6.28
